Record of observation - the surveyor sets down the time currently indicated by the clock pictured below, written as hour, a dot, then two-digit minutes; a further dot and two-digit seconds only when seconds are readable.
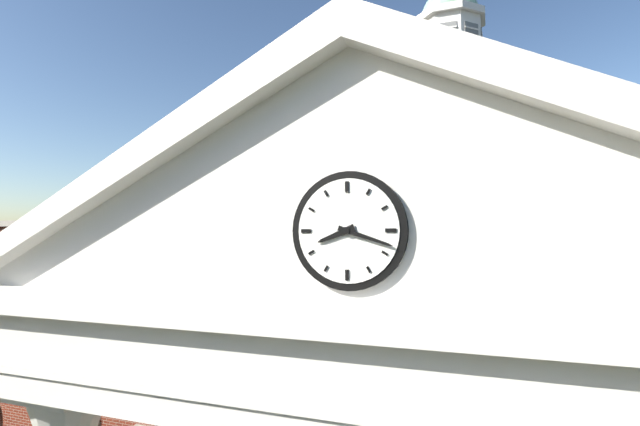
8.18
